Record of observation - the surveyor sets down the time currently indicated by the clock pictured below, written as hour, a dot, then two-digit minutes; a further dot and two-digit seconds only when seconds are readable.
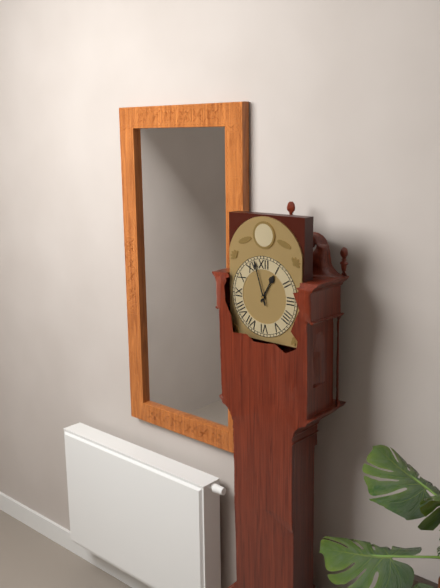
12.57
